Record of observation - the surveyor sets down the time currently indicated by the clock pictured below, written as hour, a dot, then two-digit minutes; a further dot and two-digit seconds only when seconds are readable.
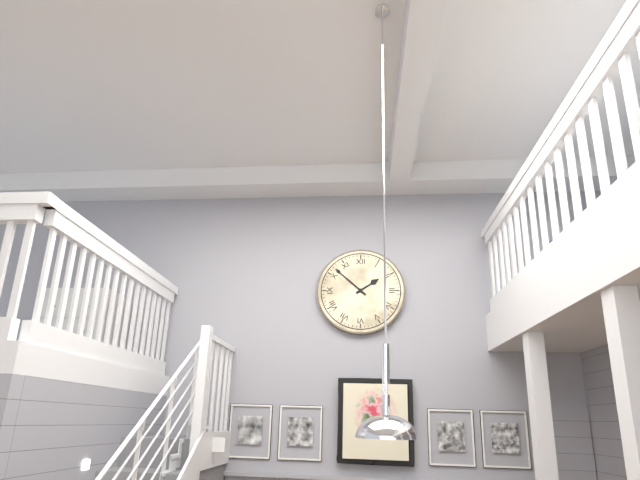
1.52
